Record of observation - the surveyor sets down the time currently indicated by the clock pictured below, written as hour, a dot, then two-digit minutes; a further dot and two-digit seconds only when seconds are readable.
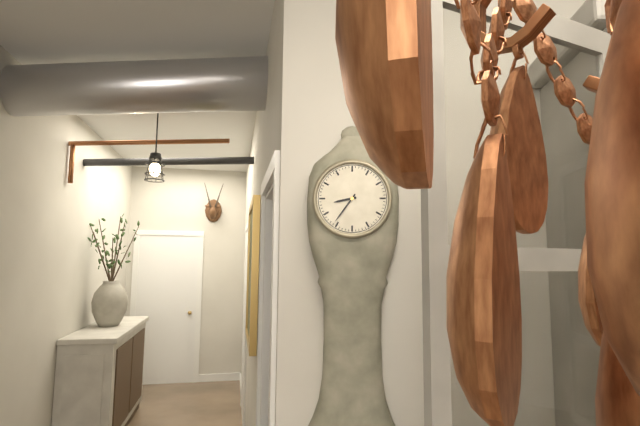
8.36
